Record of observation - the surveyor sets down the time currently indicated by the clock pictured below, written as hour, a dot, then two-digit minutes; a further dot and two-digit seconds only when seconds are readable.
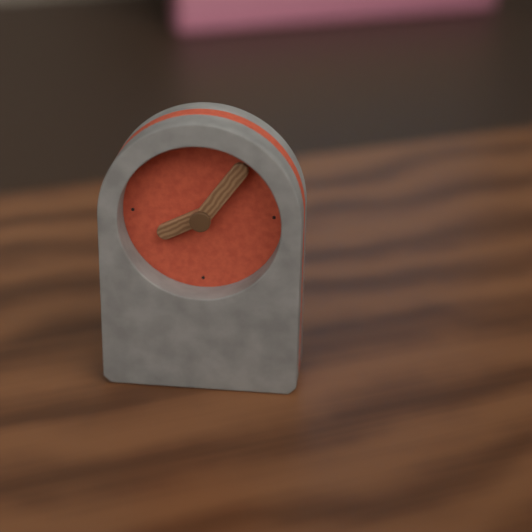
8.06
